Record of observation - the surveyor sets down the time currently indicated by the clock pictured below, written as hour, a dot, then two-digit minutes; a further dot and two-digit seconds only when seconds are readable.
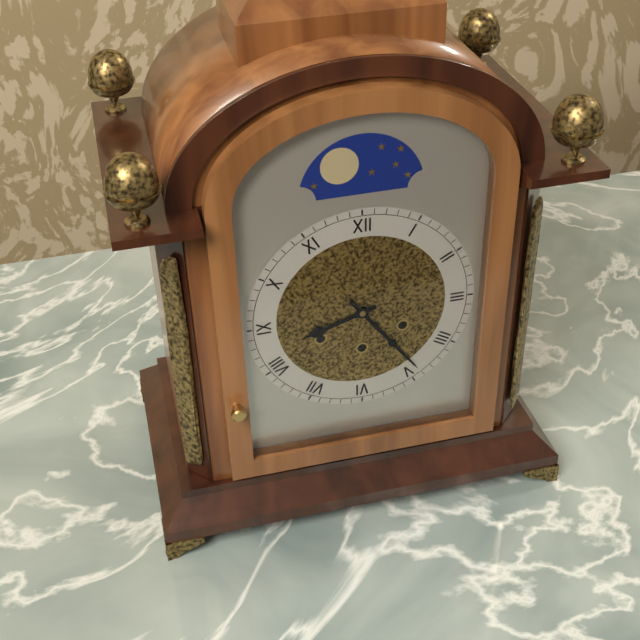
8.24
